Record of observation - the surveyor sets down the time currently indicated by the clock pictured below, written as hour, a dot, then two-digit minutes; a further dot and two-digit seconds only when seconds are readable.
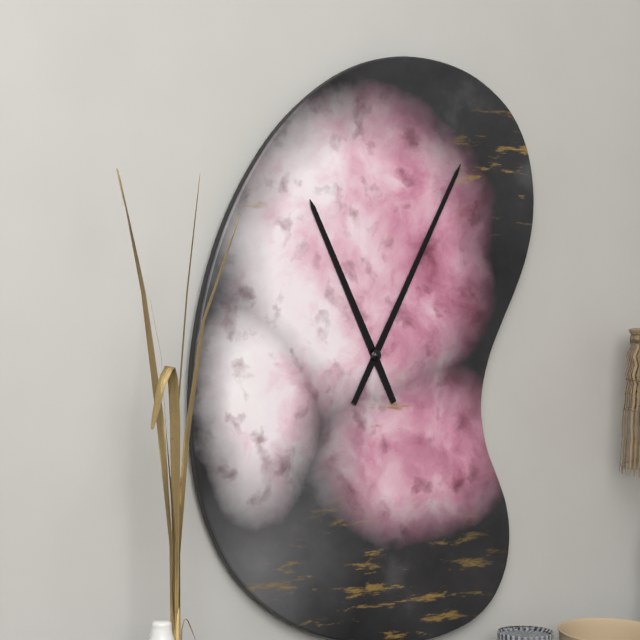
11.05
